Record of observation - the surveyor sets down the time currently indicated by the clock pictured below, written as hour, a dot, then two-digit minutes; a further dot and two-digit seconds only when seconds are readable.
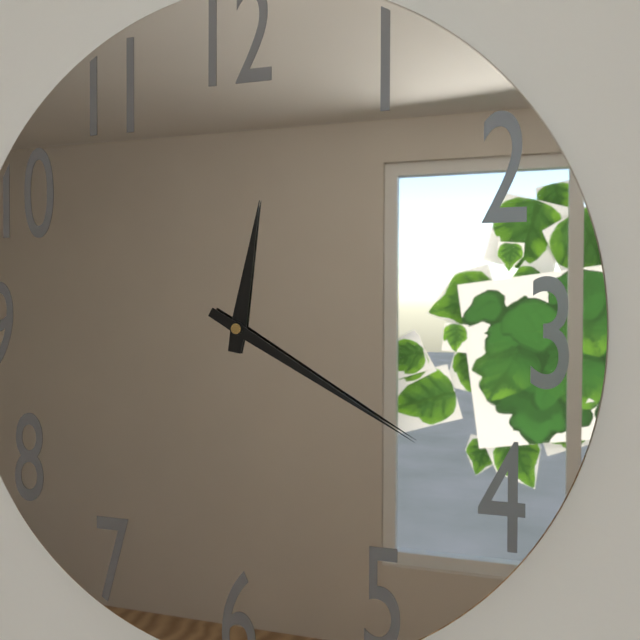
12.20
